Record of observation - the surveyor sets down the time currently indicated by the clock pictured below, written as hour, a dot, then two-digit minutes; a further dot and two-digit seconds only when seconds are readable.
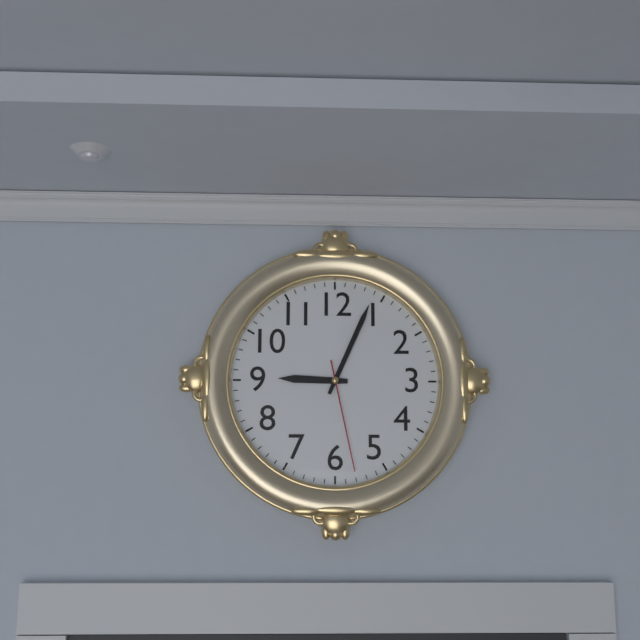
9.04.28
